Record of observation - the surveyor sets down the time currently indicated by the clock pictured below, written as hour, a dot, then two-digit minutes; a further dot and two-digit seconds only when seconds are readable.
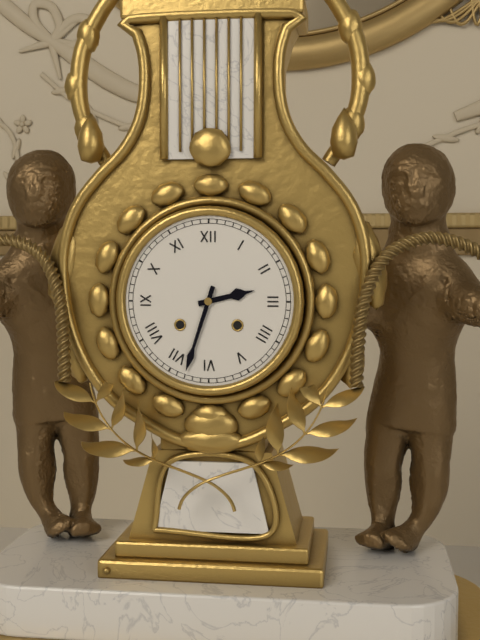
2.33
